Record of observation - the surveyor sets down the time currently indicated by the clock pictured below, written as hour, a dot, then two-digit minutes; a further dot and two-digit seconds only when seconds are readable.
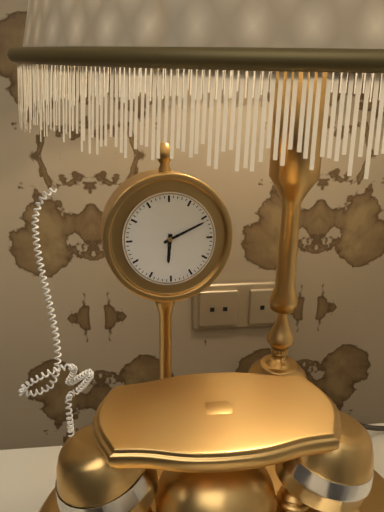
6.11
